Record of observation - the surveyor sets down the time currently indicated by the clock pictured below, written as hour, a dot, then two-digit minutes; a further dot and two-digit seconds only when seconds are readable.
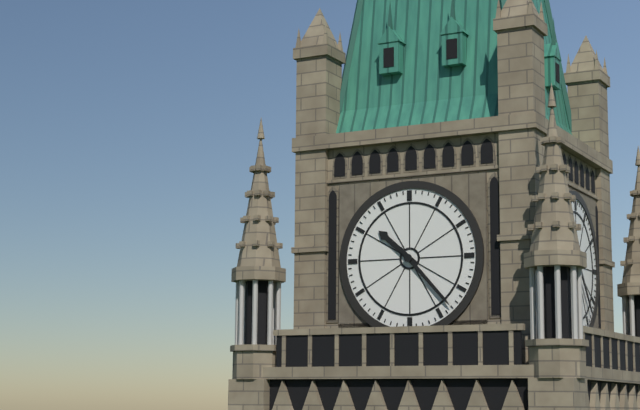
10.23
